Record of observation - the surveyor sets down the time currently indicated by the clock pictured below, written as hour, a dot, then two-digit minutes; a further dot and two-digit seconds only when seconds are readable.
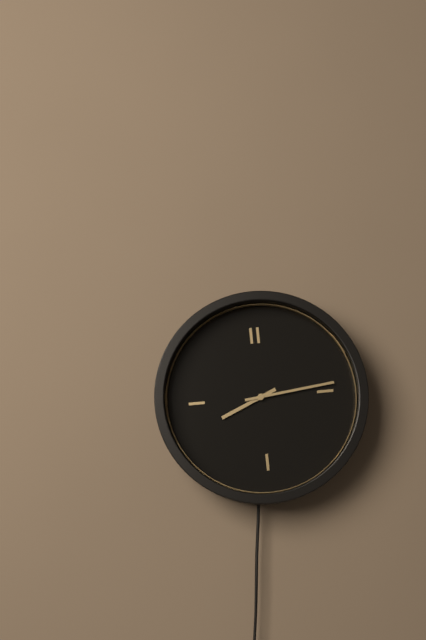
8.14
